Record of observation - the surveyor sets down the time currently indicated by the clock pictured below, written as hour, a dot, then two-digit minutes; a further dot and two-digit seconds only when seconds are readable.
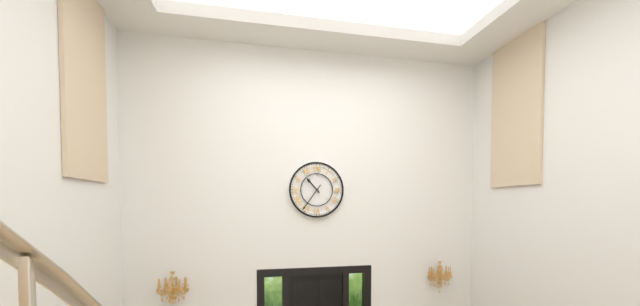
10.36
